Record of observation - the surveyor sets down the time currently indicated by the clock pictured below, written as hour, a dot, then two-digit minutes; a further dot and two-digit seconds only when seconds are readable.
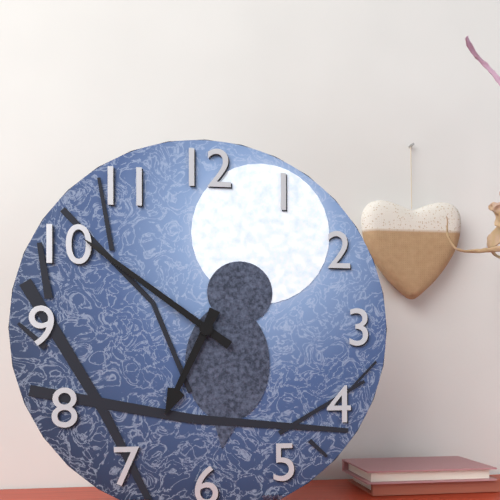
6.51
